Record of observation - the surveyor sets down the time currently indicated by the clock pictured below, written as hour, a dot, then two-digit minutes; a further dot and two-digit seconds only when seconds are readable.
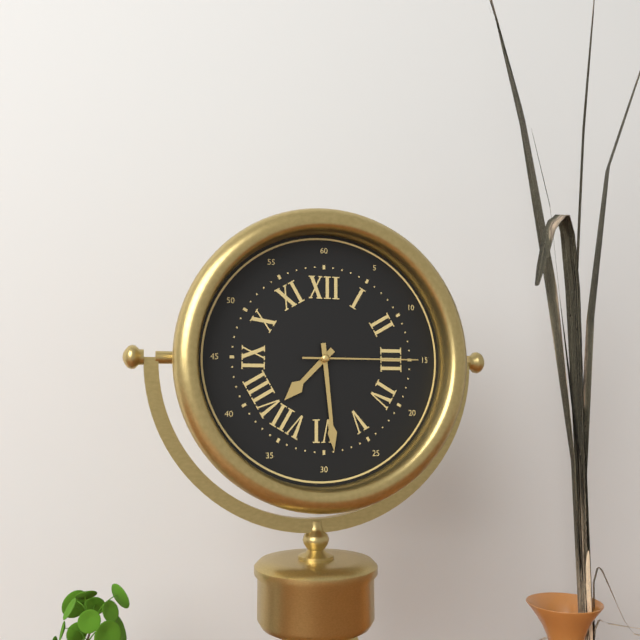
7.29.15
